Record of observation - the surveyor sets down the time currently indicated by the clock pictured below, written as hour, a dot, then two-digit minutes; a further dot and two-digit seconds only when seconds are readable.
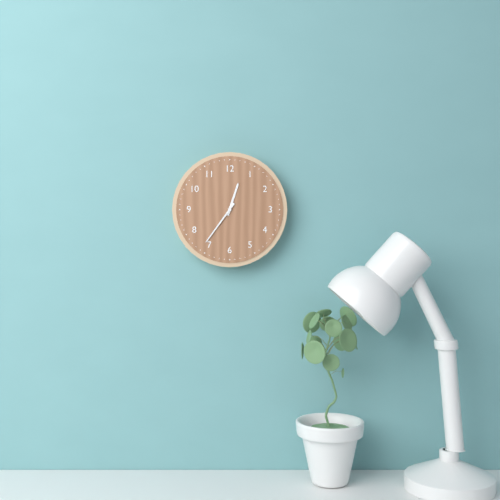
12.36
